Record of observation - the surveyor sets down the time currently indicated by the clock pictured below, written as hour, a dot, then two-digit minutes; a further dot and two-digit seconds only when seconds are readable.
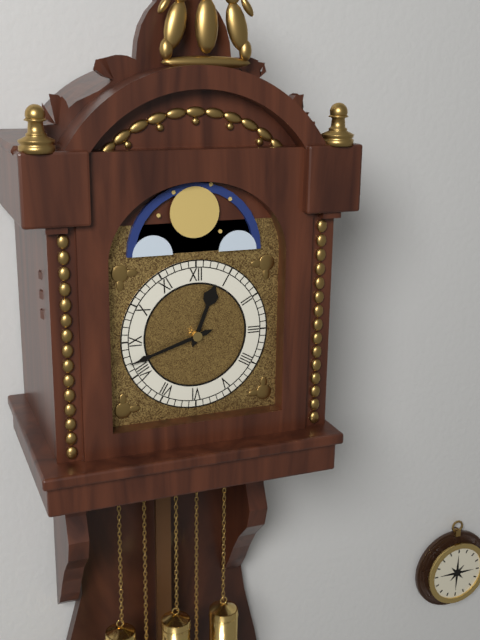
12.42
